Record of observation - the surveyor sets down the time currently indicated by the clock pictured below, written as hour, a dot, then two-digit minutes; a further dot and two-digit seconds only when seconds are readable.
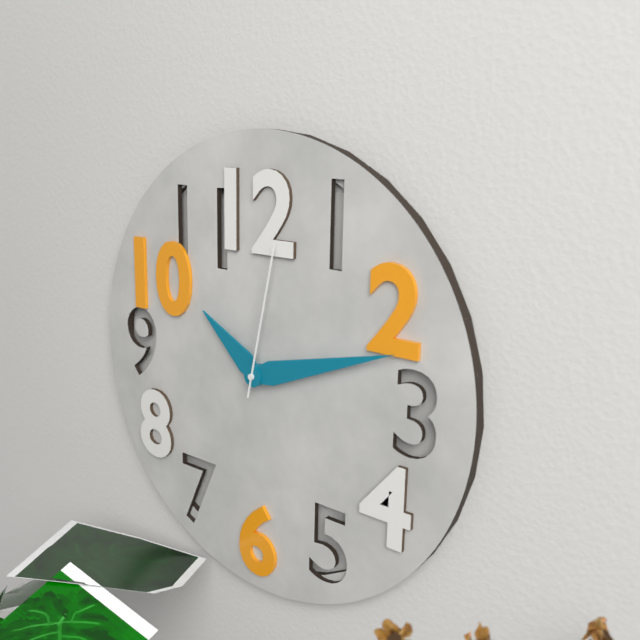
10.12.02
